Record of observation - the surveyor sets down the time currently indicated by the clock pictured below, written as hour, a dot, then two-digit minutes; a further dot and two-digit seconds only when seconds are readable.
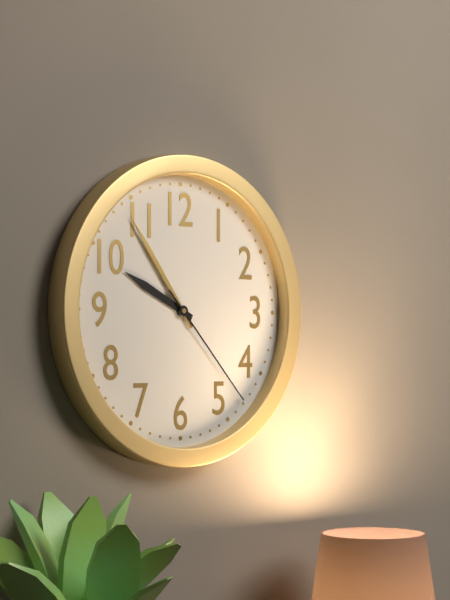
9.54.23
